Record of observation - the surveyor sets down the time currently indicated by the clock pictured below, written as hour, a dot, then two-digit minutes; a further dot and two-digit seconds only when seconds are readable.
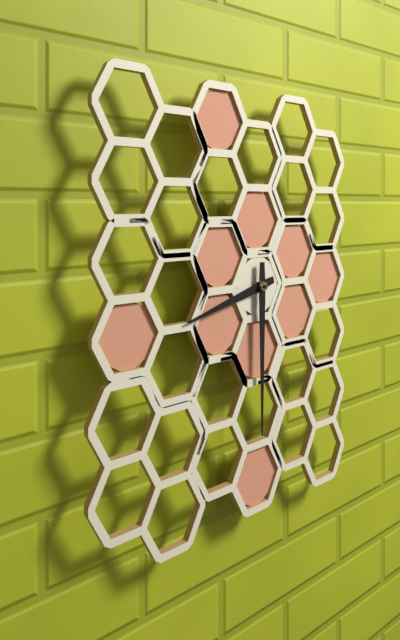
8.30
